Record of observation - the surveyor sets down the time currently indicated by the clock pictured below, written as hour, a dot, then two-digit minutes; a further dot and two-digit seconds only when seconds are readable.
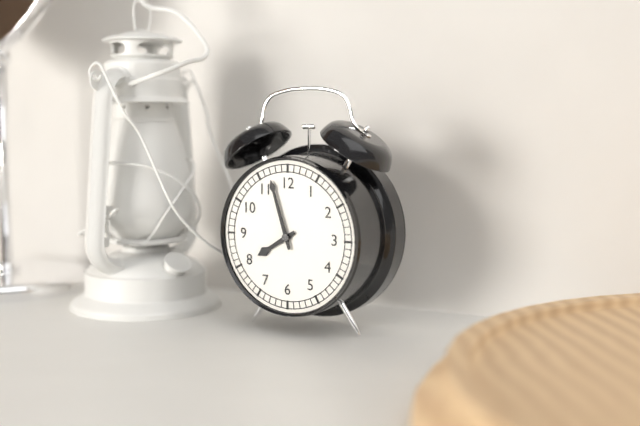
7.57
